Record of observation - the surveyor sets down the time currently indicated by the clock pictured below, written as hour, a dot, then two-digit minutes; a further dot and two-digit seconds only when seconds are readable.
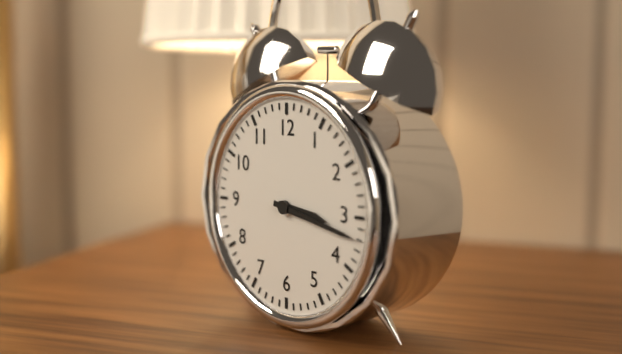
3.17
